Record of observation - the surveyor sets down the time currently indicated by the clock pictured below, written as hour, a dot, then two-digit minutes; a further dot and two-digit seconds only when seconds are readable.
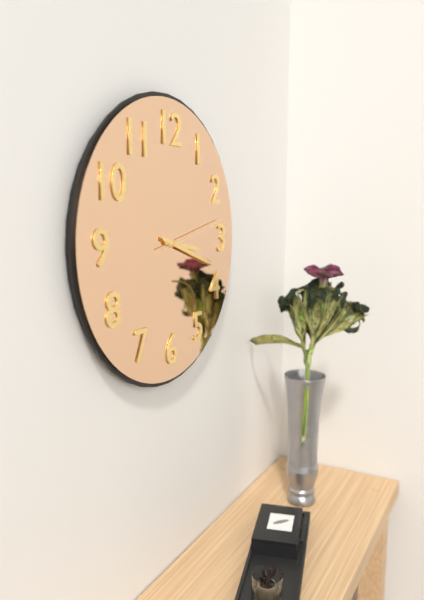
3.18.13
